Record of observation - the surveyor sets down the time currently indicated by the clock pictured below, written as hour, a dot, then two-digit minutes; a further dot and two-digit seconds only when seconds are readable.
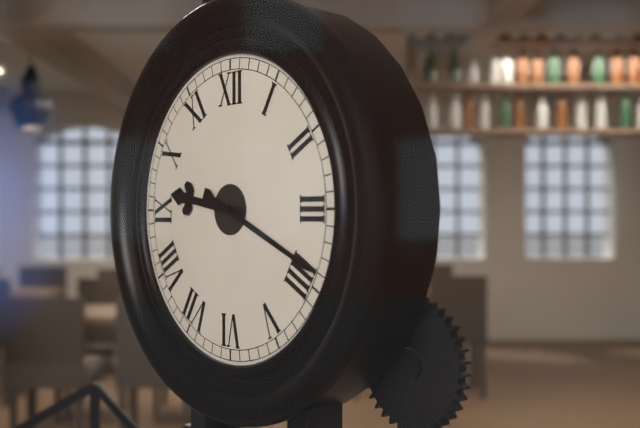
9.19
